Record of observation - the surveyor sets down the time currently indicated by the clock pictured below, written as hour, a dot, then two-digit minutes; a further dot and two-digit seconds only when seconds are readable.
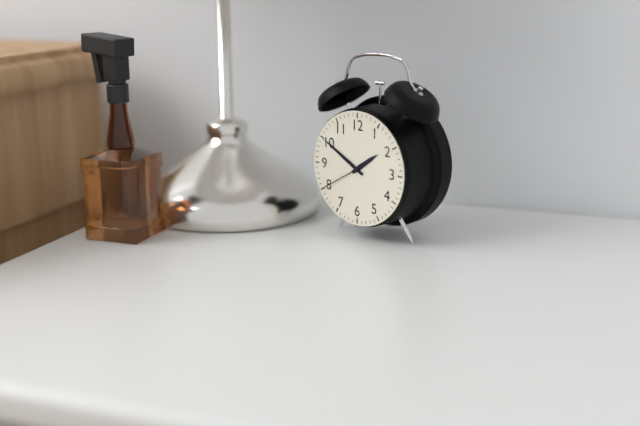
1.50
